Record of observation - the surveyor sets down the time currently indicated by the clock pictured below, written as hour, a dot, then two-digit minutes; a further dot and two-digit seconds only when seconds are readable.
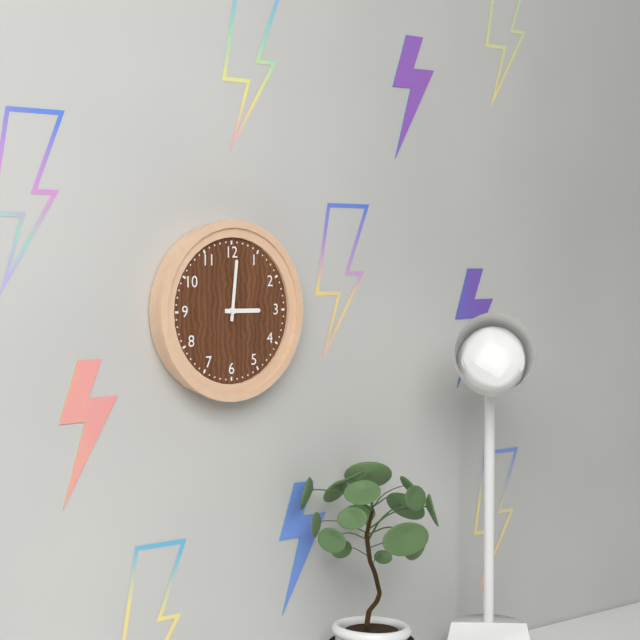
3.01
